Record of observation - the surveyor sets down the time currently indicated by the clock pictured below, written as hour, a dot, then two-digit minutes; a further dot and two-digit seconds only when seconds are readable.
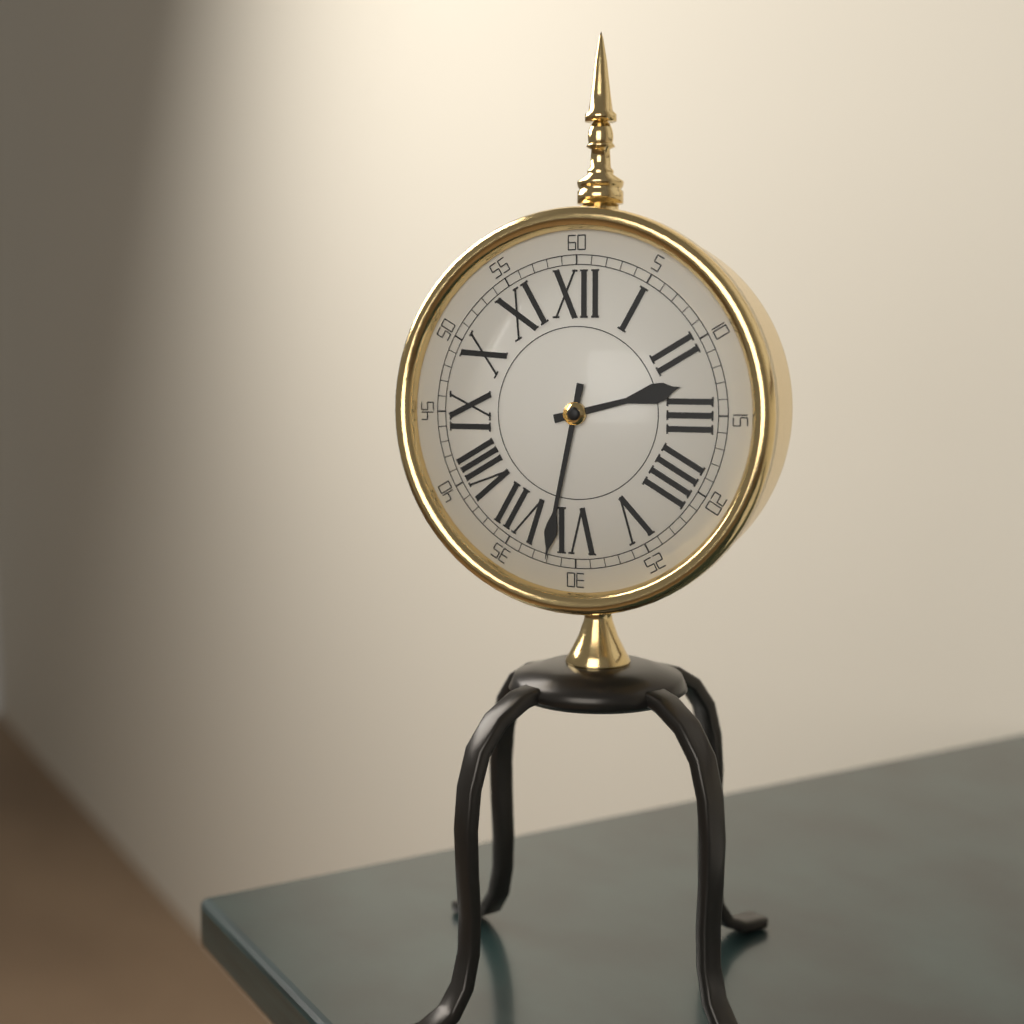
2.32
